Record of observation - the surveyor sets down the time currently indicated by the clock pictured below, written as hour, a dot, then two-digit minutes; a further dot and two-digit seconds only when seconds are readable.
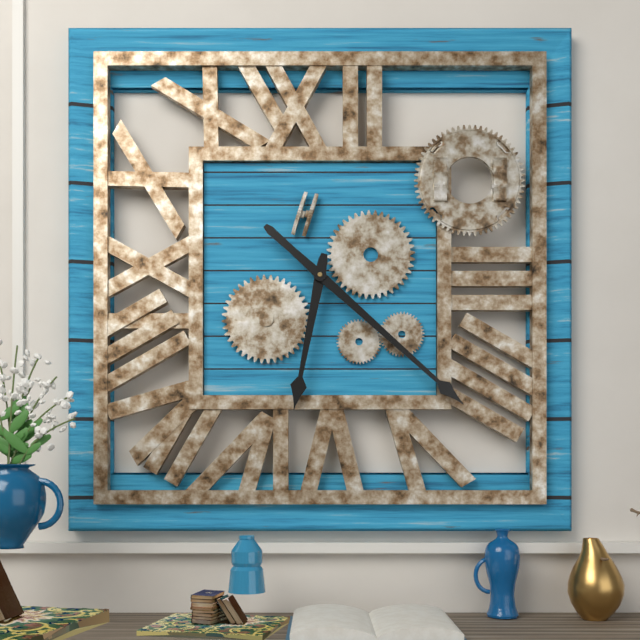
6.22
